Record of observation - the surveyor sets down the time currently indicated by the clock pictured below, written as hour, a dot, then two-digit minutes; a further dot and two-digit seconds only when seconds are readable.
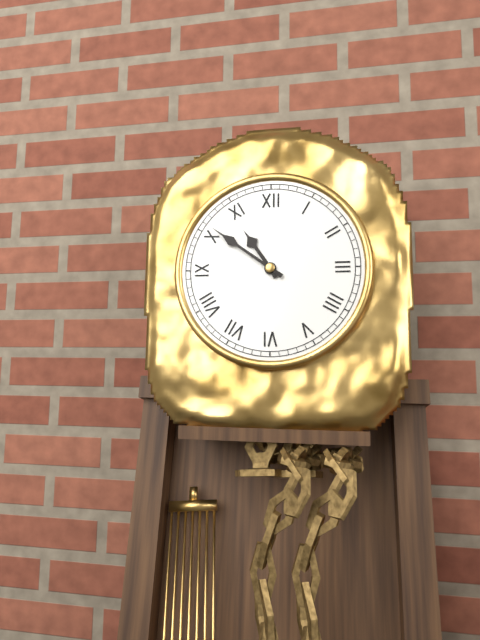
10.51
